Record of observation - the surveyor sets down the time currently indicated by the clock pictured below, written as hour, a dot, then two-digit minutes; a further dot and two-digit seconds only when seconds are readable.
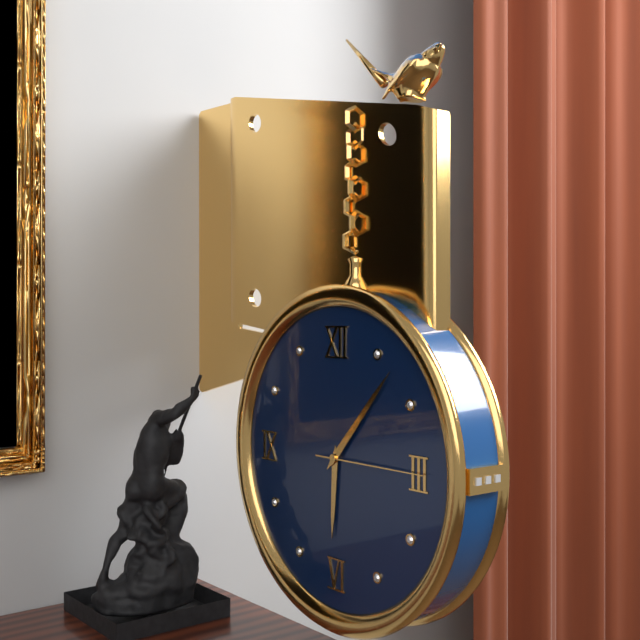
6.07.15
